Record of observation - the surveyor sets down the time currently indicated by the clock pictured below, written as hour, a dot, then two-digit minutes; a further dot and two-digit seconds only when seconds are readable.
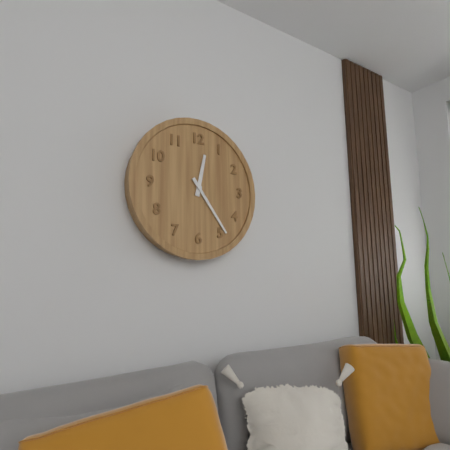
12.24
